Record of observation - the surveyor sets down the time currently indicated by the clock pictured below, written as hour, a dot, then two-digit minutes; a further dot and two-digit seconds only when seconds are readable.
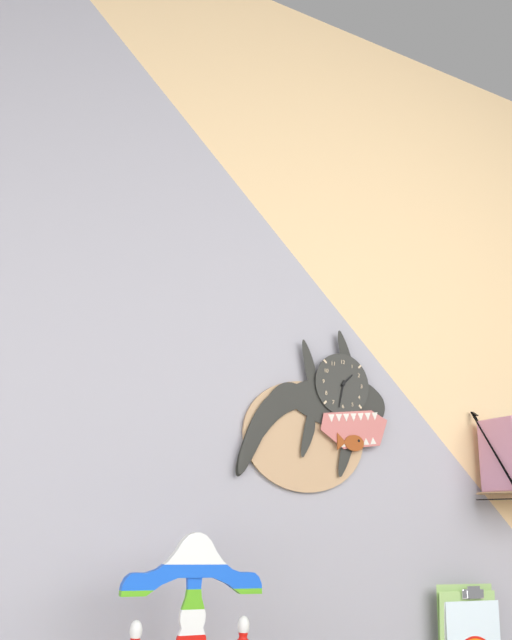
1.32
